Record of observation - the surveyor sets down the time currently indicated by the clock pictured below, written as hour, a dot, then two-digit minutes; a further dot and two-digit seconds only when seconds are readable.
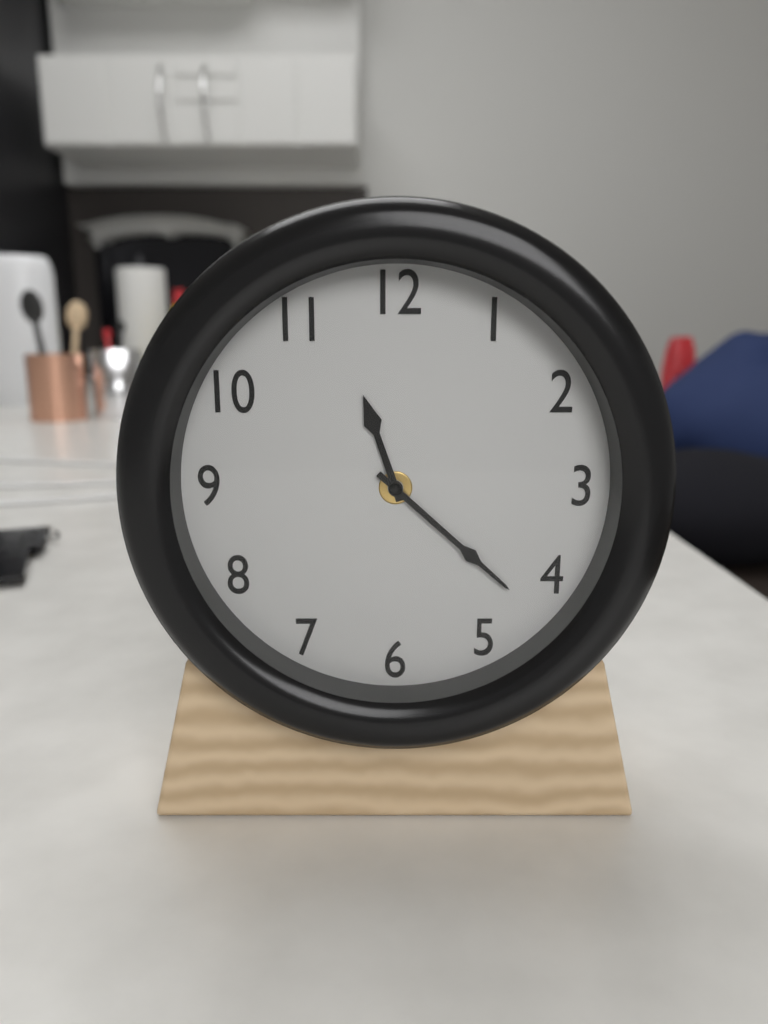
11.22
